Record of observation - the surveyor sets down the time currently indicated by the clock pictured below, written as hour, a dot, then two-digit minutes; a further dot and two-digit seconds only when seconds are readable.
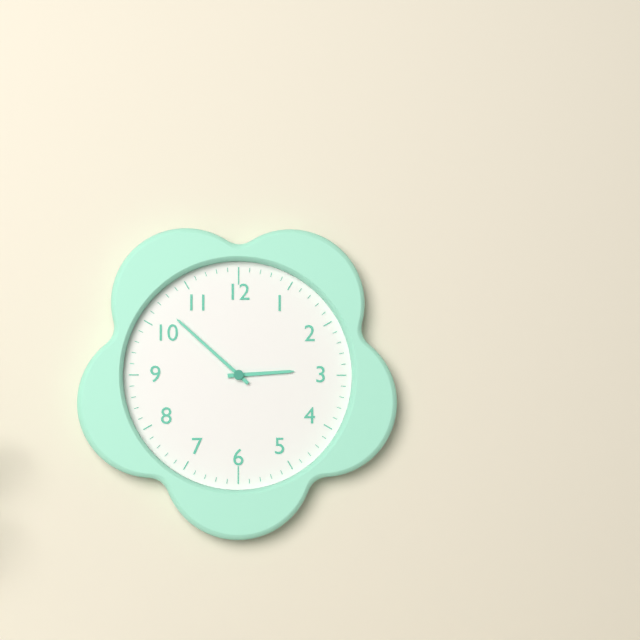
2.52
